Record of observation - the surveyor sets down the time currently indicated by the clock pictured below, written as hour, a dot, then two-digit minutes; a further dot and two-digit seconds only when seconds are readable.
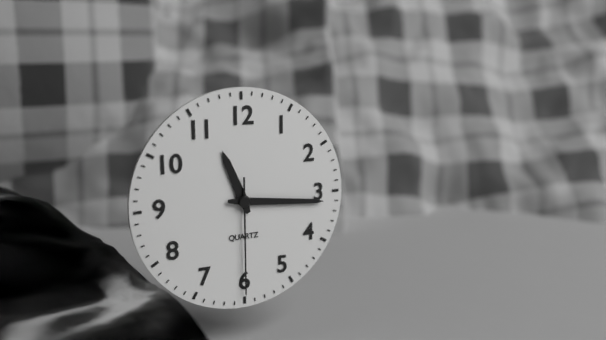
11.16.30
